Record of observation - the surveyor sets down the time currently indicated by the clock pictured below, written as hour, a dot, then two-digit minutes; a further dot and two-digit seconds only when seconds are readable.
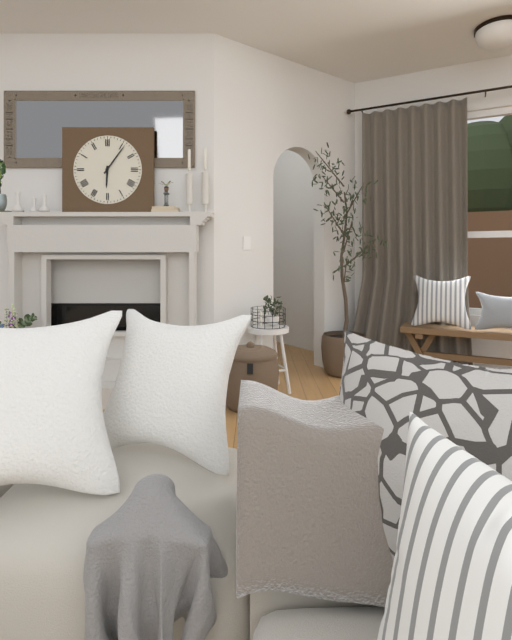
6.06
